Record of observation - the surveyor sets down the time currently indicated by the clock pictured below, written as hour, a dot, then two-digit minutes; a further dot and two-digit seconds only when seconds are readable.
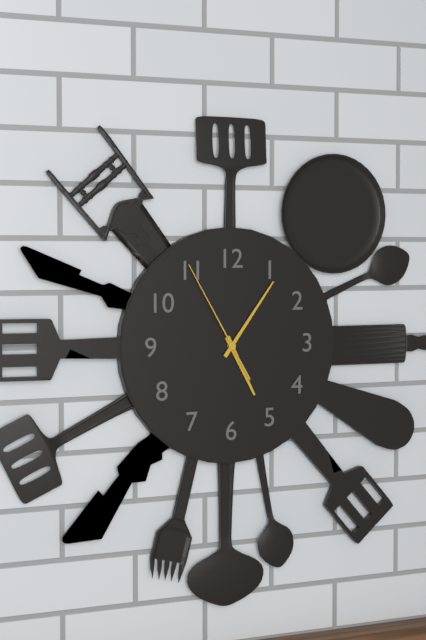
5.06.55
